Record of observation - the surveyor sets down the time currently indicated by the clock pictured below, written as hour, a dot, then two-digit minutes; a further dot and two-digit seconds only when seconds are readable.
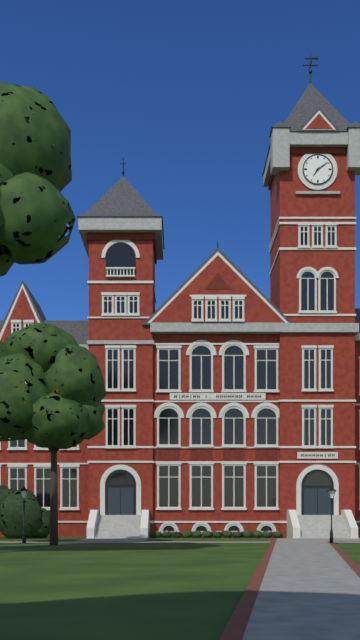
7.09
